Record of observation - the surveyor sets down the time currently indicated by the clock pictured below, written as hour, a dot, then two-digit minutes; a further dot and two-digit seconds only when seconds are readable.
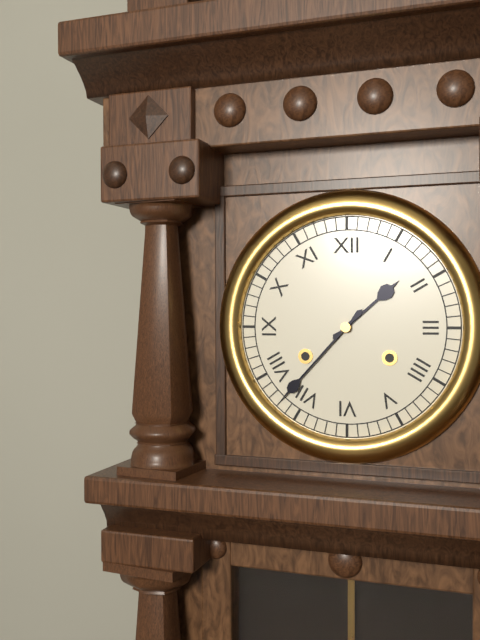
1.37
